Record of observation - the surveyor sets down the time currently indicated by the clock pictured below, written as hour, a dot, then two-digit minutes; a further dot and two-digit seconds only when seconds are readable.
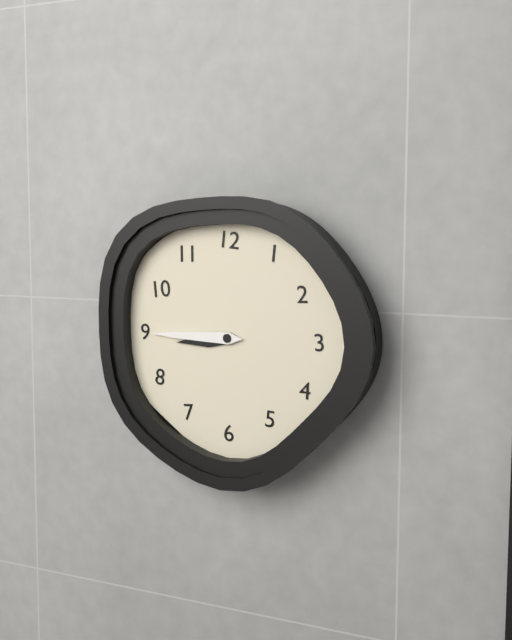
8.45
